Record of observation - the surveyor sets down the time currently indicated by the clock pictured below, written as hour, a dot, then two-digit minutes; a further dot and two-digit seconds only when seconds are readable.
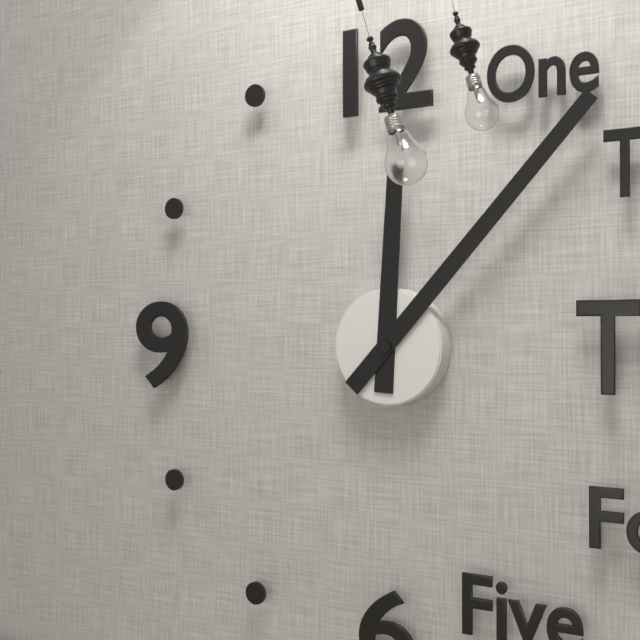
12.07
